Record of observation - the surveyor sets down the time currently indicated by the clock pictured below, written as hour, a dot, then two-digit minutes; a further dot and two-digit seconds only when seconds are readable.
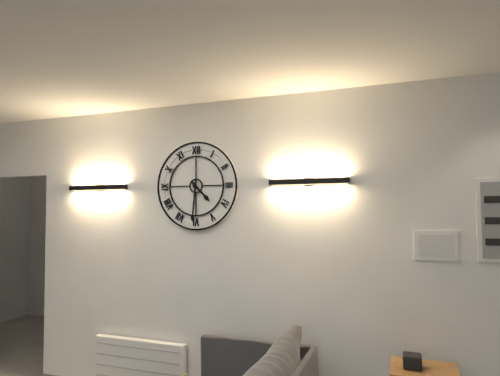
4.31
